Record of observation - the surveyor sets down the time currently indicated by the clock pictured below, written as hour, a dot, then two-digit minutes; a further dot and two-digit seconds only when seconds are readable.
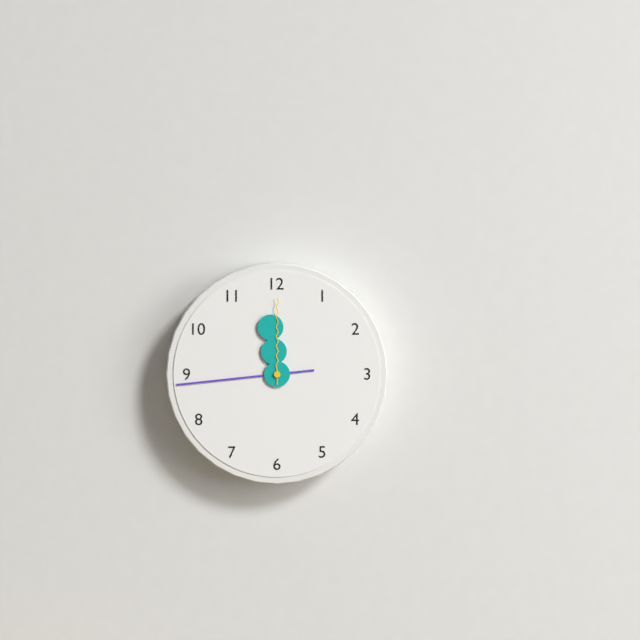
11.44.00
